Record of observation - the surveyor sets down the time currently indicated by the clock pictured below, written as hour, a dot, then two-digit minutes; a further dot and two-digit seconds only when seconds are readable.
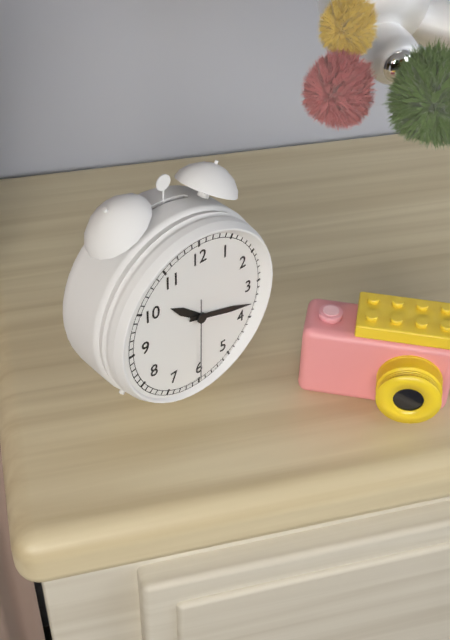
10.18.30
